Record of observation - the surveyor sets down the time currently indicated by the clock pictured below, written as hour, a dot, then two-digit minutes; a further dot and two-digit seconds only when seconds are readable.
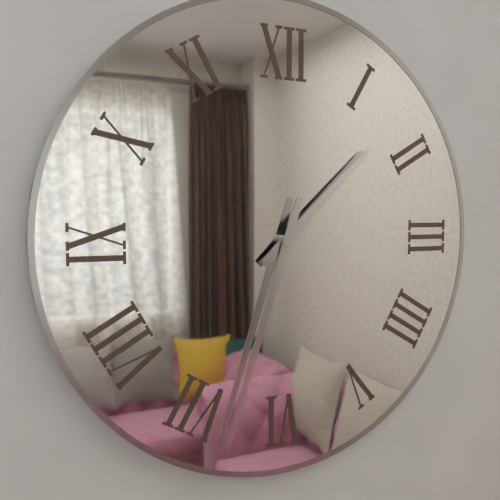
1.33
